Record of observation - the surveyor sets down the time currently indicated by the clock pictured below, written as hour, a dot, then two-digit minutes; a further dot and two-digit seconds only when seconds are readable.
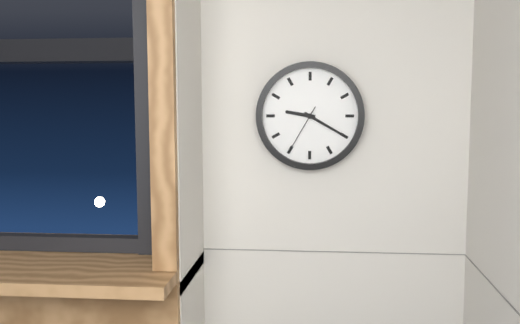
9.20.35
